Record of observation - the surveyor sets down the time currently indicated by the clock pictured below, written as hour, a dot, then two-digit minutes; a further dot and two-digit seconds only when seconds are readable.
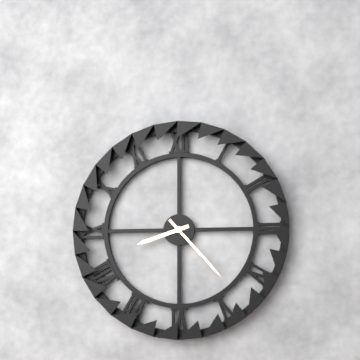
8.23
